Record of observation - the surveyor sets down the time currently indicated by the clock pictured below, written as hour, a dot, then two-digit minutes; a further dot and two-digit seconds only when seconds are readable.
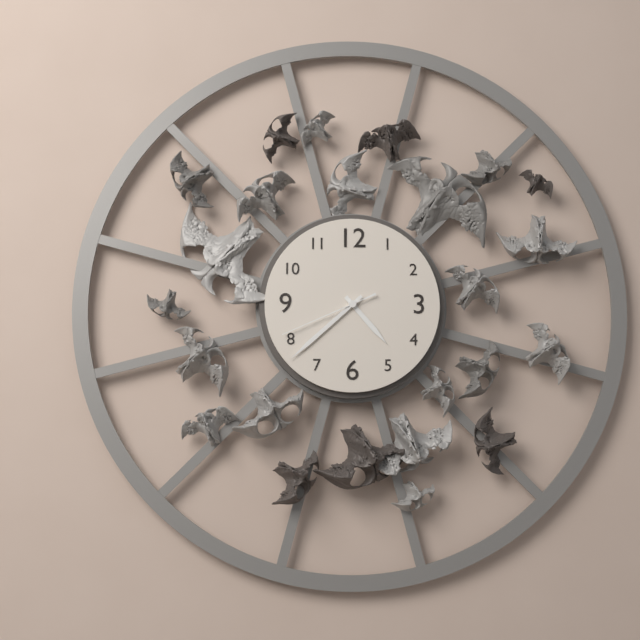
4.38.41
